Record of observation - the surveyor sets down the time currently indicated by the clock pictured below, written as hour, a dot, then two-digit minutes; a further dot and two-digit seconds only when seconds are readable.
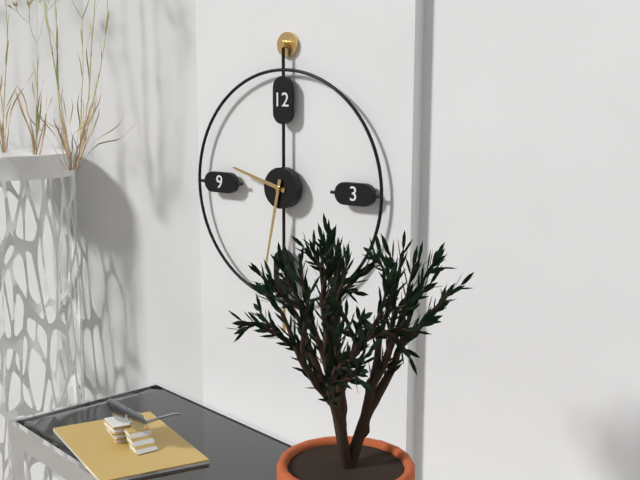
9.32
